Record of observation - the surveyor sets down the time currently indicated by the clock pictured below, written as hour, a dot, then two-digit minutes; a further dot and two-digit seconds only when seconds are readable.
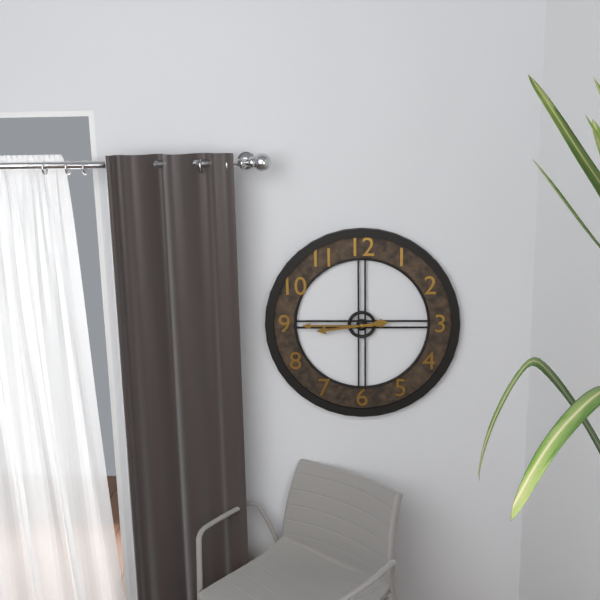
8.45
